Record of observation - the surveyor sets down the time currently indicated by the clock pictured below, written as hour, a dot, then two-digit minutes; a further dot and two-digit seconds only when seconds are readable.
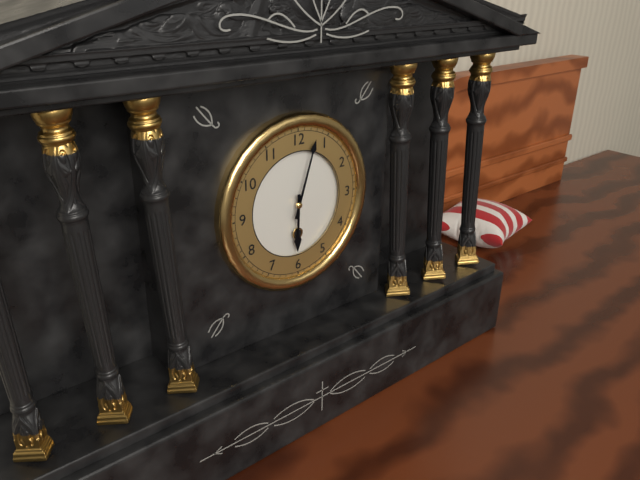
6.03
